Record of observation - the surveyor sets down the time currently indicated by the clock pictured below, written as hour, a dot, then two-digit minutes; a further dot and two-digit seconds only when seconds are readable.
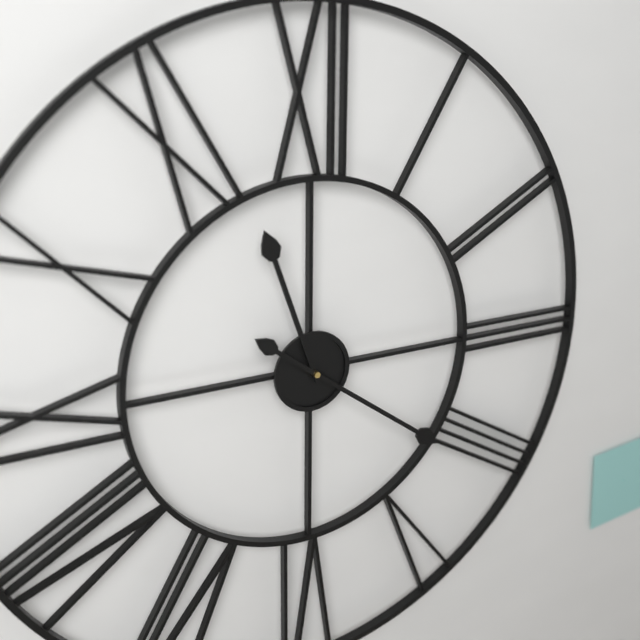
11.21
